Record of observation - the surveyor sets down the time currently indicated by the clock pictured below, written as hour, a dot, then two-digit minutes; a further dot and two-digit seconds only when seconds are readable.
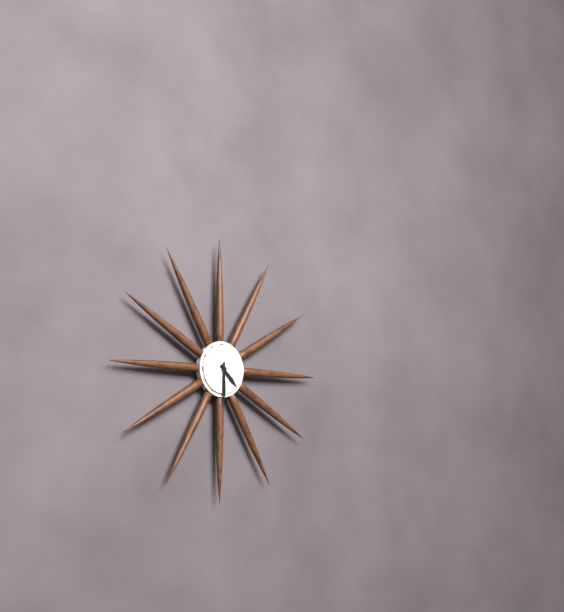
4.30
